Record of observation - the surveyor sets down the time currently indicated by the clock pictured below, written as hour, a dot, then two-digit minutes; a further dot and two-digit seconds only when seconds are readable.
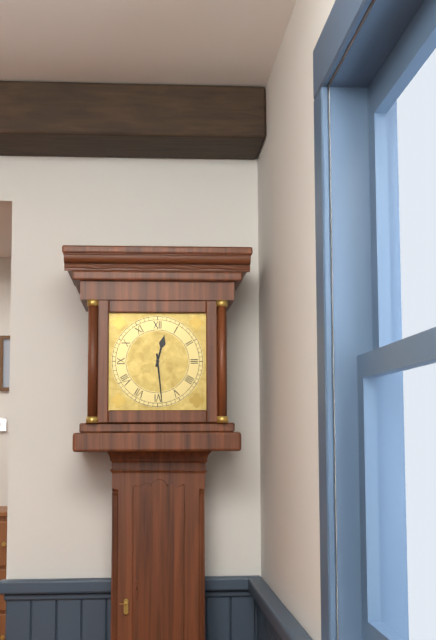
12.29
